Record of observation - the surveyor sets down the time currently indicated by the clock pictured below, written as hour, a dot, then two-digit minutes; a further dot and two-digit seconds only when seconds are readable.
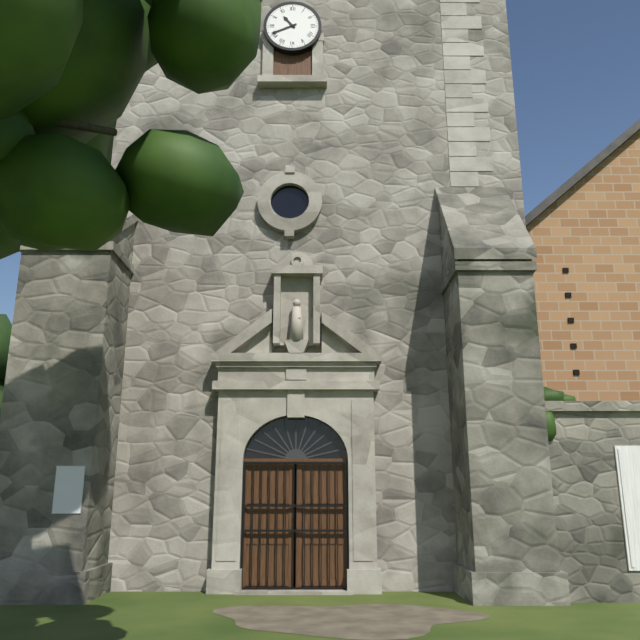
10.41
